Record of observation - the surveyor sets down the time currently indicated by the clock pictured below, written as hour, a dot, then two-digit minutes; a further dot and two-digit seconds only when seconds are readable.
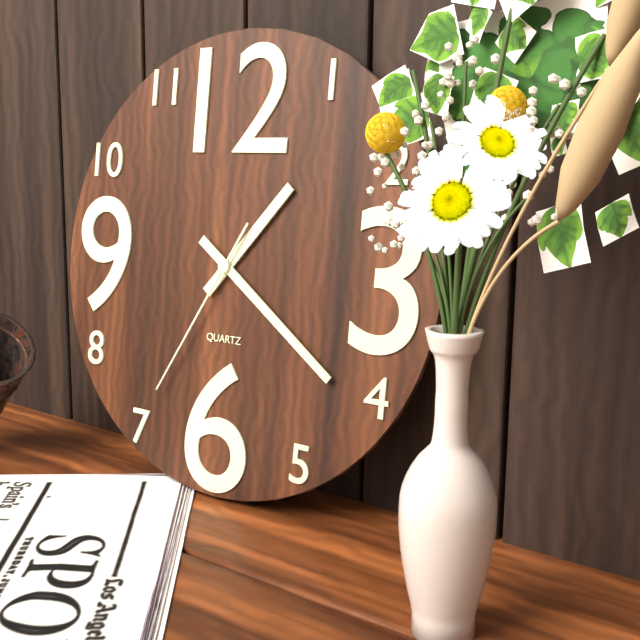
1.21.35
